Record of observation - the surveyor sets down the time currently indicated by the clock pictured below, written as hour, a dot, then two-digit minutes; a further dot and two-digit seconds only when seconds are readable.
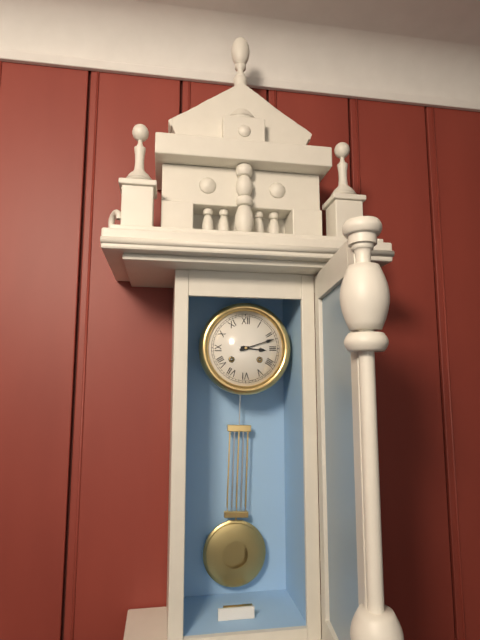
3.12
